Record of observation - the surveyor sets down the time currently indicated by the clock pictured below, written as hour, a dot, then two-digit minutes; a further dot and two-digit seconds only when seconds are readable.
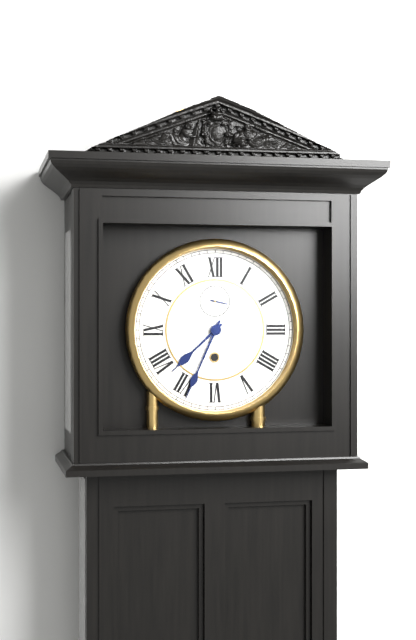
7.34
